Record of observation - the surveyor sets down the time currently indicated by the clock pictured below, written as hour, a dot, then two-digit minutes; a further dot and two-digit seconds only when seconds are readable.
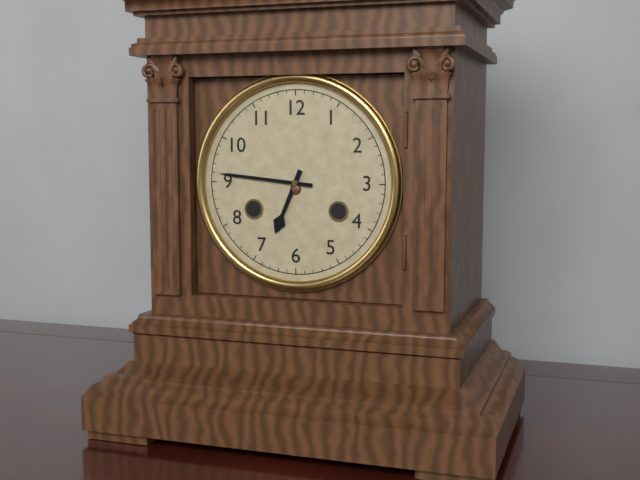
6.46
